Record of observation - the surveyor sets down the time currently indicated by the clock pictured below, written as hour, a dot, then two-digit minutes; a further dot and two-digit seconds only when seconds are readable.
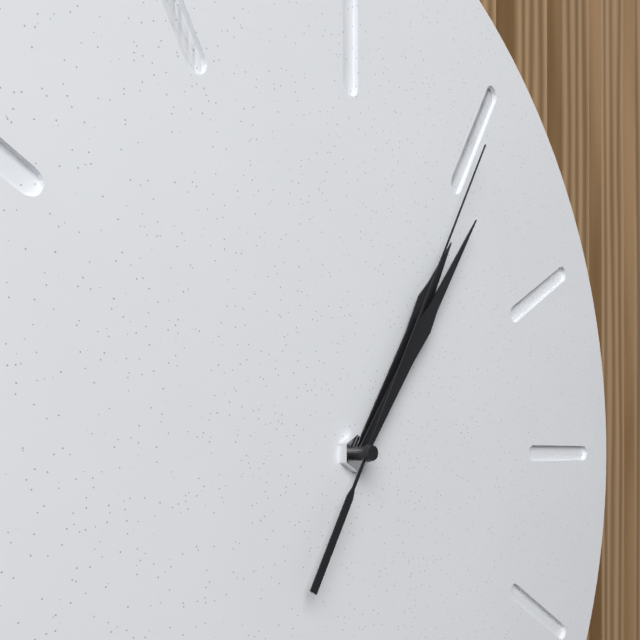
1.06.05
